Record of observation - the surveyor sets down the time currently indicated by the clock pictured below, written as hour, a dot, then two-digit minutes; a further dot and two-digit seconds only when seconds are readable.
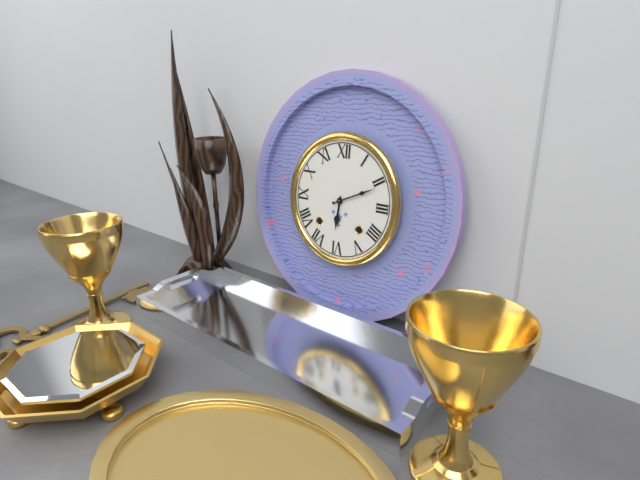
6.11
